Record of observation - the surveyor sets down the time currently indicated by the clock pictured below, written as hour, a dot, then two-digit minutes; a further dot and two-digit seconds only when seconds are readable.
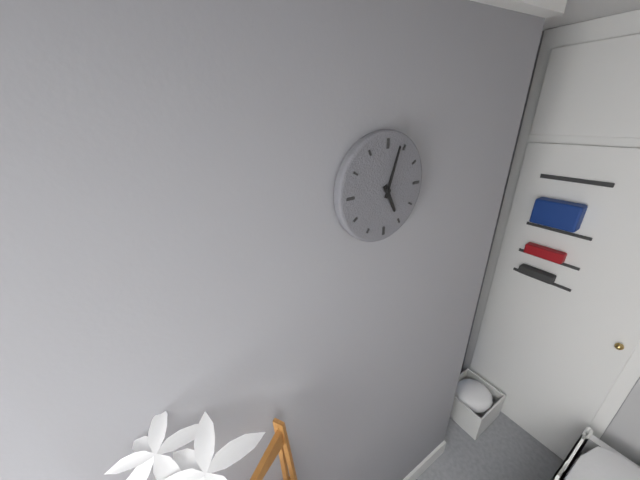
5.03
